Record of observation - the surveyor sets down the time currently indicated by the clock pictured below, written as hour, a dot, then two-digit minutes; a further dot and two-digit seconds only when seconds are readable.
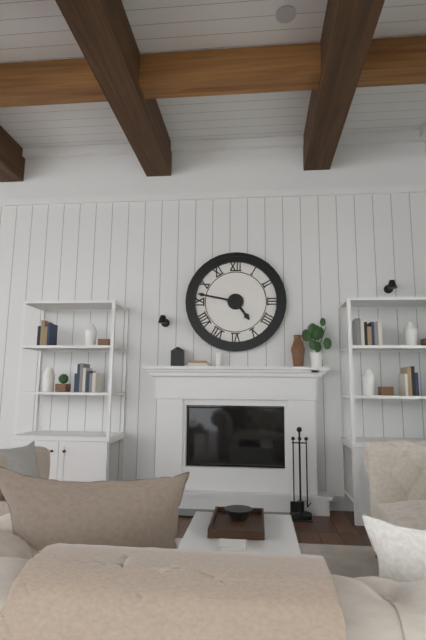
4.47
